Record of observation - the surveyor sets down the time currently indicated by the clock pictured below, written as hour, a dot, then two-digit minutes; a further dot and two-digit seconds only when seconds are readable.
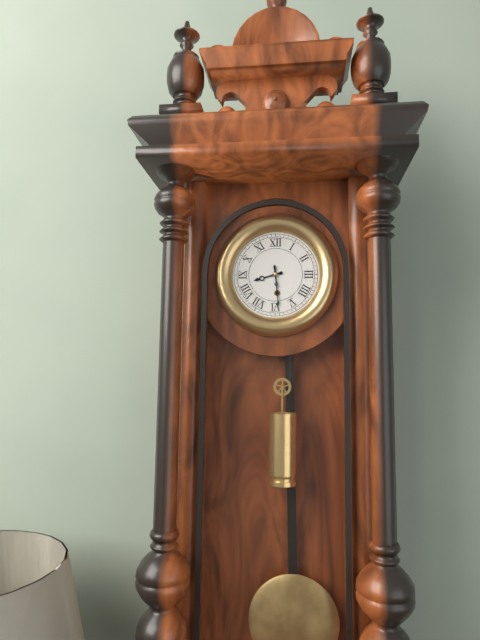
8.29
